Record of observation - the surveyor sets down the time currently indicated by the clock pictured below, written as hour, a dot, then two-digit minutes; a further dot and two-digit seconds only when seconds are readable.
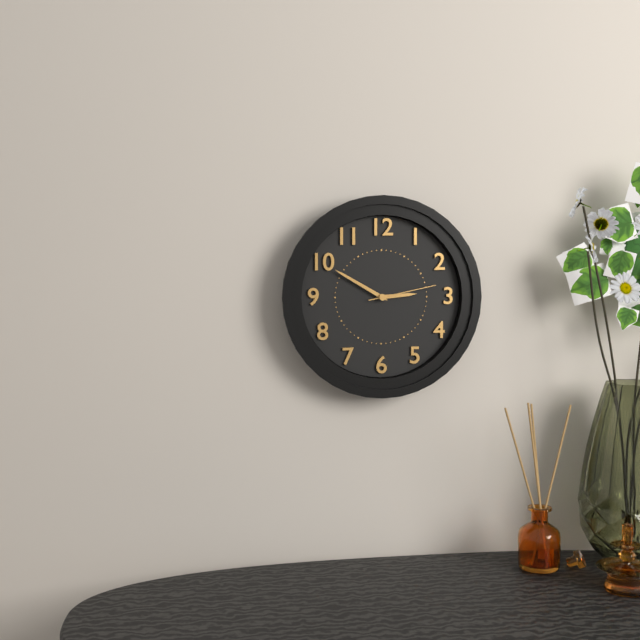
2.50.13
